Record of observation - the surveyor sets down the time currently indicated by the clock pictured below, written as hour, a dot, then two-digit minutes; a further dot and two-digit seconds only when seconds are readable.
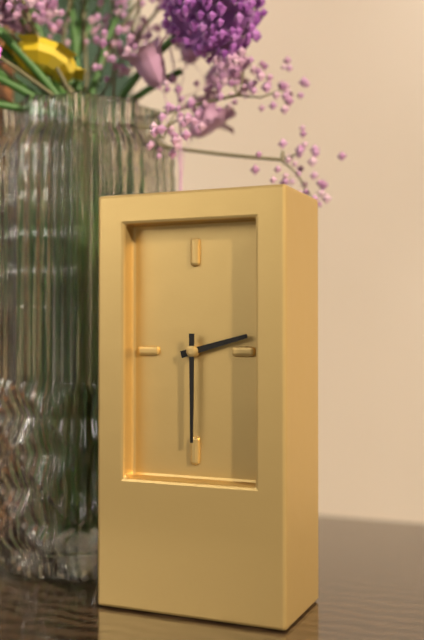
2.30
